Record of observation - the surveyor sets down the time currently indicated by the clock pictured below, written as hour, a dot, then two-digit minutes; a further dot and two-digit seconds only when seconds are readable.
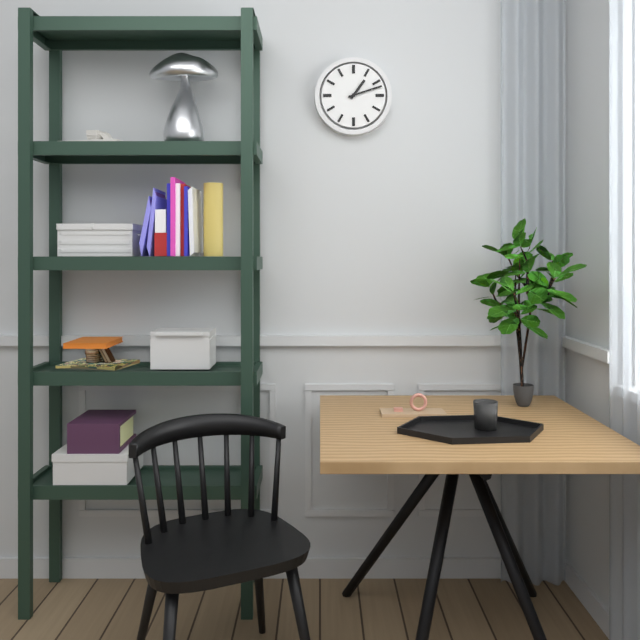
1.12
